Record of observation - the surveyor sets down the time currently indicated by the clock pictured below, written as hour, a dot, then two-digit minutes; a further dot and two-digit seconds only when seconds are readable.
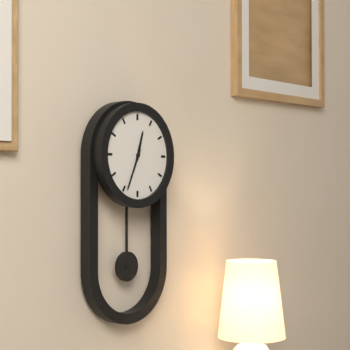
12.34
